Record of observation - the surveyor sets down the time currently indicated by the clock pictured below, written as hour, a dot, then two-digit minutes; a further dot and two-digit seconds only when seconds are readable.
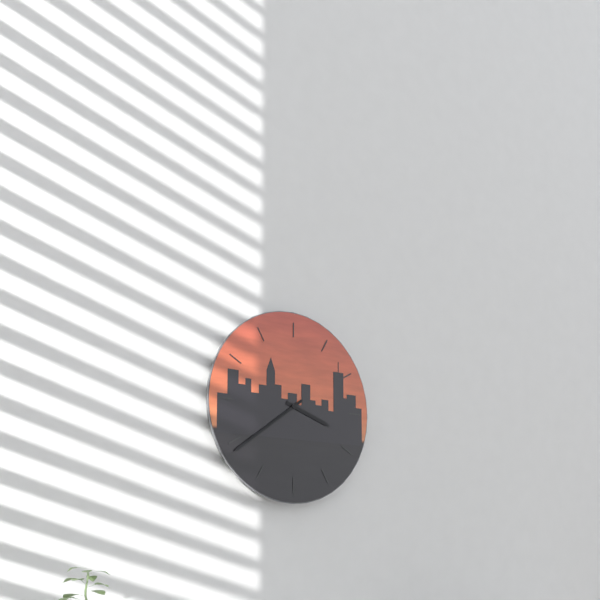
3.39
